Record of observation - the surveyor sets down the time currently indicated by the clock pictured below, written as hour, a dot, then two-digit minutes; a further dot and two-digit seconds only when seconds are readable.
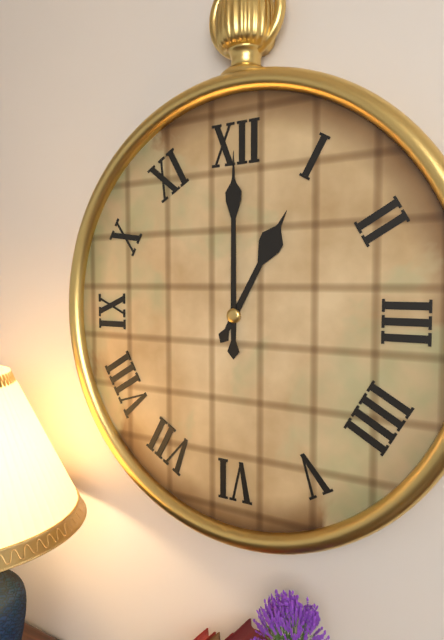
1.00
